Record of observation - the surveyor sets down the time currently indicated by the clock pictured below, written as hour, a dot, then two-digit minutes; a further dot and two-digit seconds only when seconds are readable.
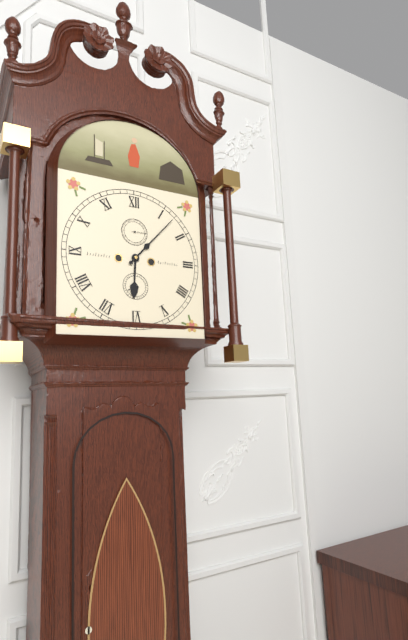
6.07
